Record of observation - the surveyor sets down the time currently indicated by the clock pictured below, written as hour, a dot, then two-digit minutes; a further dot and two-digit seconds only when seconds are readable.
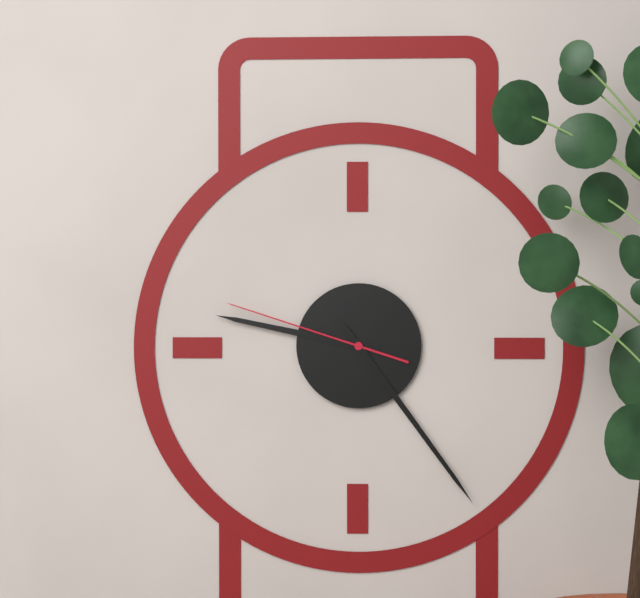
9.24.48
